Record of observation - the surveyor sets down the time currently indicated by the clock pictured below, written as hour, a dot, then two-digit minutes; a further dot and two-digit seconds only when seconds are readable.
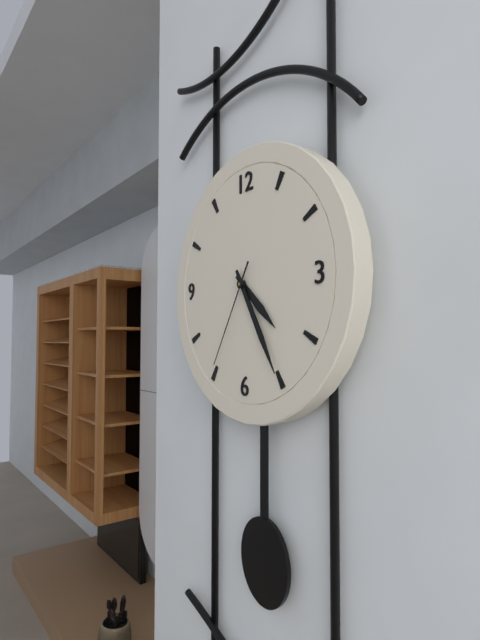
4.25.35
